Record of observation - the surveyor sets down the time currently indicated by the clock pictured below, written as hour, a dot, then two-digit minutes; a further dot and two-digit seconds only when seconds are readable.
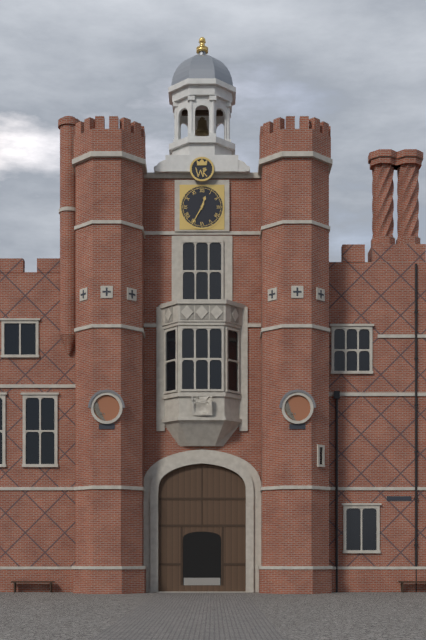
12.35
